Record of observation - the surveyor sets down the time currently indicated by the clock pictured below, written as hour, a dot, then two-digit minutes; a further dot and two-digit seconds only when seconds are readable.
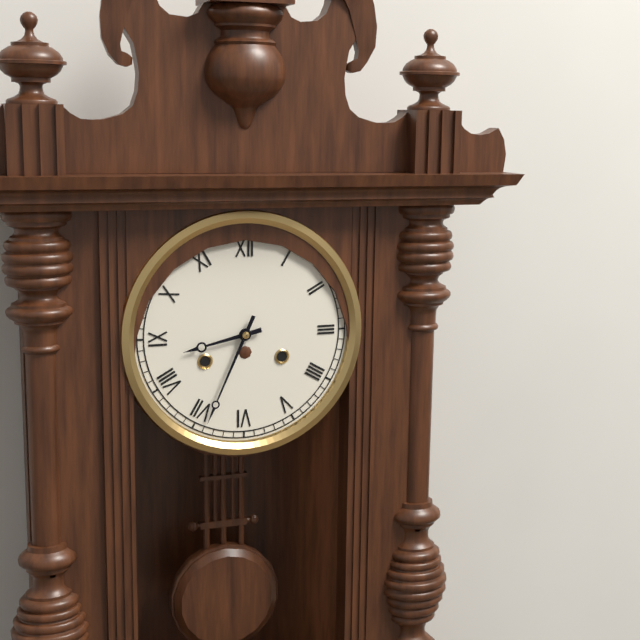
8.34
